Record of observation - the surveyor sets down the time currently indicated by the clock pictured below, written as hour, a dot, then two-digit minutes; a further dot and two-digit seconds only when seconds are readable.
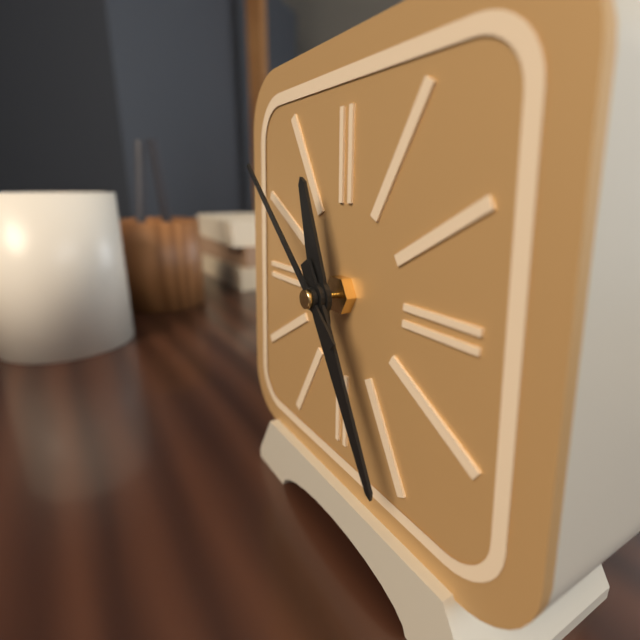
11.25.52
